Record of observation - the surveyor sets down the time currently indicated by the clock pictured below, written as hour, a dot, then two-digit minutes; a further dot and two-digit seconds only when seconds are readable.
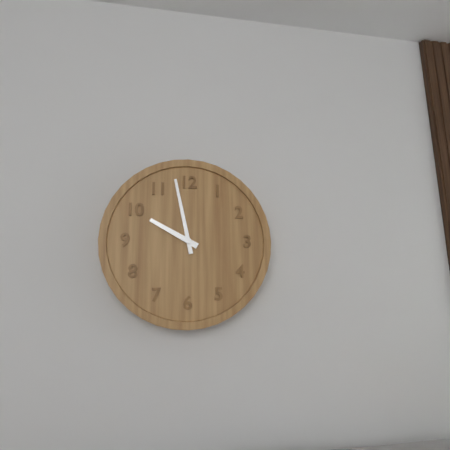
9.58
